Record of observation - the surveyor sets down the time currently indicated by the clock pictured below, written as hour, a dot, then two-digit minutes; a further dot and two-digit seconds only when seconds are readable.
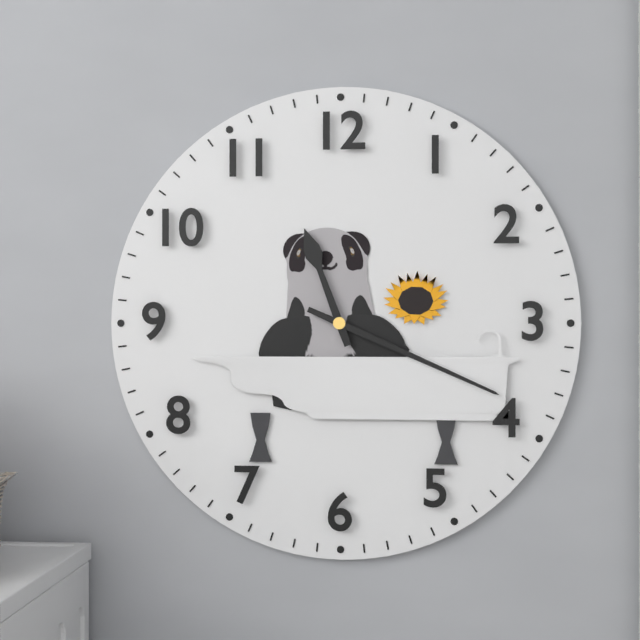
11.19
